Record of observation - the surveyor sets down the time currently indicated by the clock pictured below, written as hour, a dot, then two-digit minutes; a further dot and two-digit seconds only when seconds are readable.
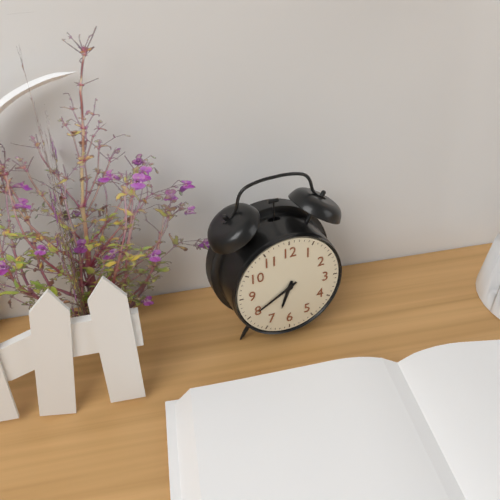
6.40
